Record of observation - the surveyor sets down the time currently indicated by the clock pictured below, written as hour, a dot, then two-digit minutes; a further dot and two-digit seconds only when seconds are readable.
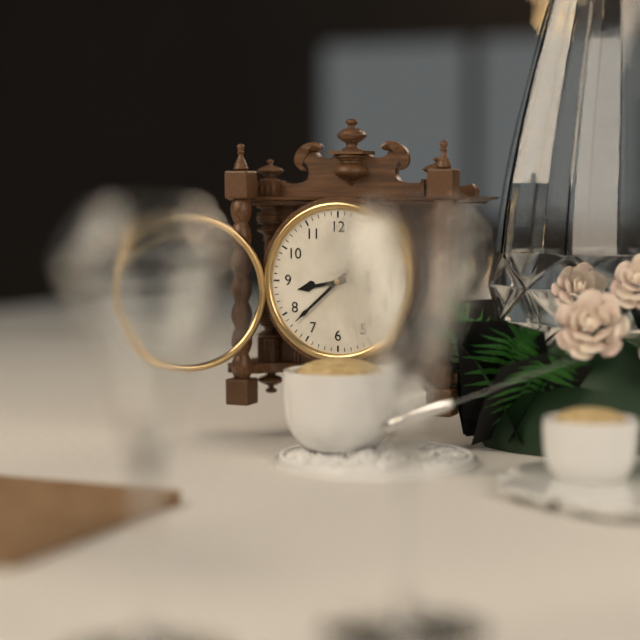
8.38
